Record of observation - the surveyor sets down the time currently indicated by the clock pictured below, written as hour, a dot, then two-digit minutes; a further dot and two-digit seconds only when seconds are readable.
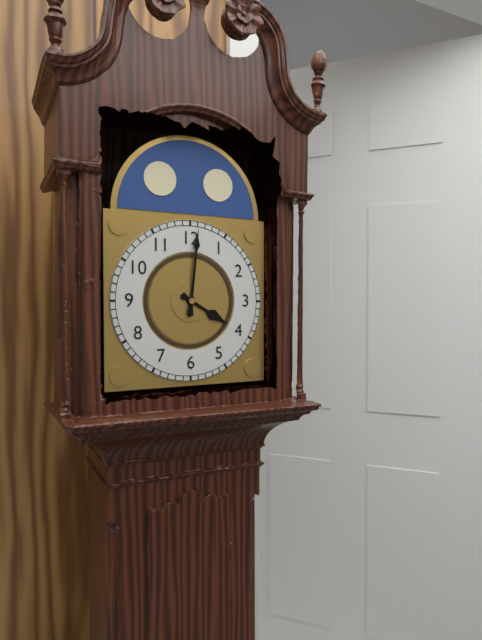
4.01
